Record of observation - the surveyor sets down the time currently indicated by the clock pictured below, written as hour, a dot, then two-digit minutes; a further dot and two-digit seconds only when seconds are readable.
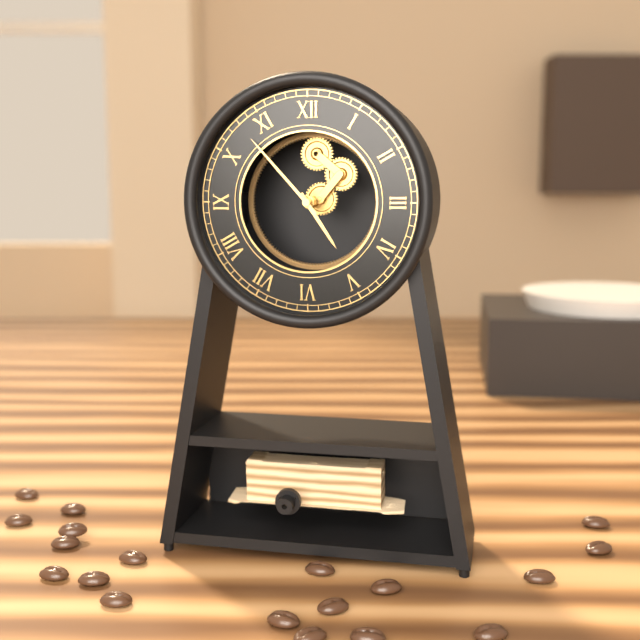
4.53
